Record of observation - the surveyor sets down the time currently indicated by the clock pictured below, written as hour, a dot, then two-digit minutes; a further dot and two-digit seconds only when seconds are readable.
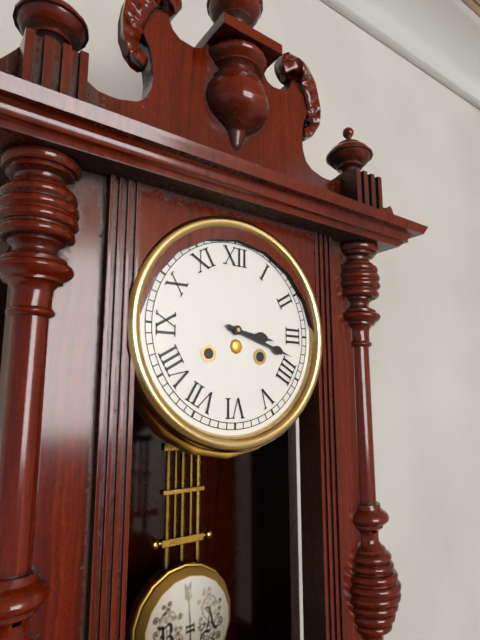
3.18
